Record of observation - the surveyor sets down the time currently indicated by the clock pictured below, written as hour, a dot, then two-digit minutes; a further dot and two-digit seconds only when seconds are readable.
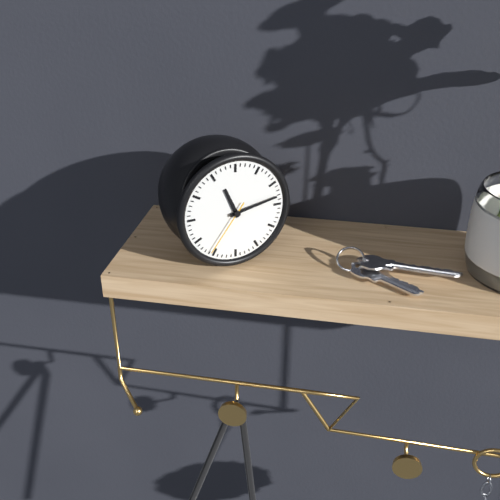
11.13.36
